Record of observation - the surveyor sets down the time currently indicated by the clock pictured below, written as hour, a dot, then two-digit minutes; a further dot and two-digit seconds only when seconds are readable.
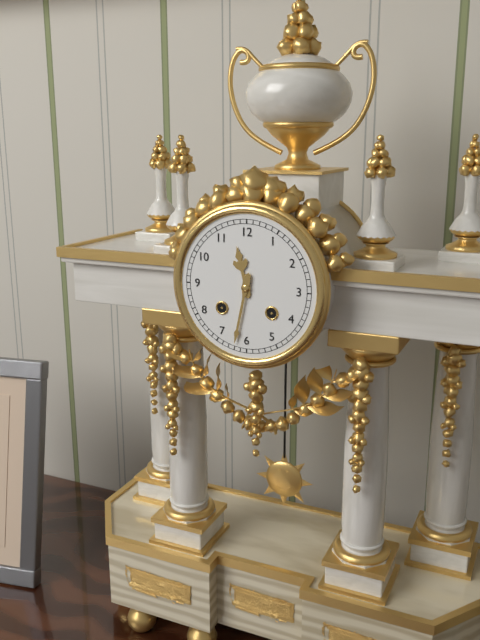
11.32
